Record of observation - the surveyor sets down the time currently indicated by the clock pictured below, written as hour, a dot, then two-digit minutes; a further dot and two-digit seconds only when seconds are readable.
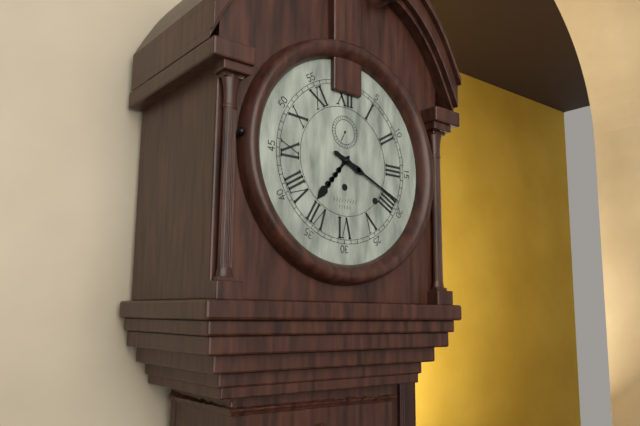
7.19
